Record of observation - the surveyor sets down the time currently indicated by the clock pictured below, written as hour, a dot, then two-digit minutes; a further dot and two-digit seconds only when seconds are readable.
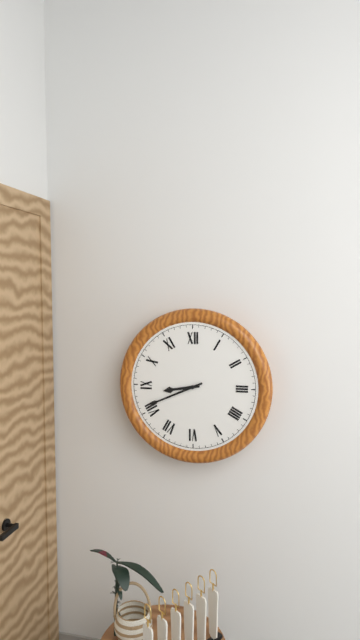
8.41
